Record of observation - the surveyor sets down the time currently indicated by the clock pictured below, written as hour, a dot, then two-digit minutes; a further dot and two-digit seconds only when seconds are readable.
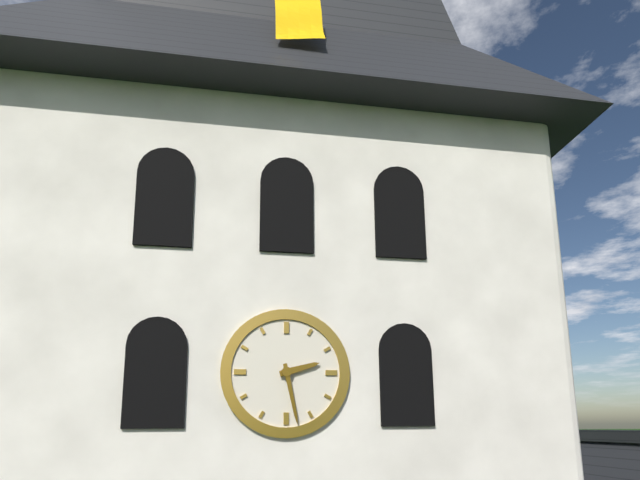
2.28
